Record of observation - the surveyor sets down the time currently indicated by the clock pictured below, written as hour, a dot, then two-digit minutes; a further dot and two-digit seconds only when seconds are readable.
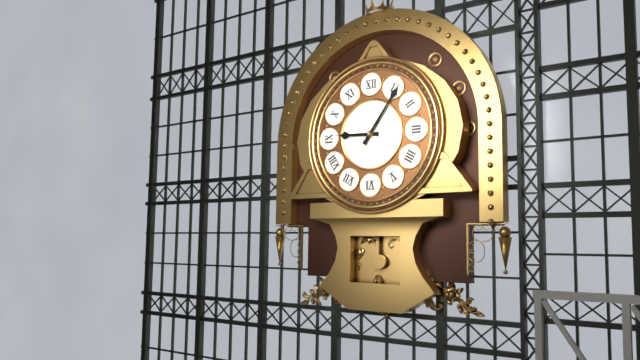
9.06
